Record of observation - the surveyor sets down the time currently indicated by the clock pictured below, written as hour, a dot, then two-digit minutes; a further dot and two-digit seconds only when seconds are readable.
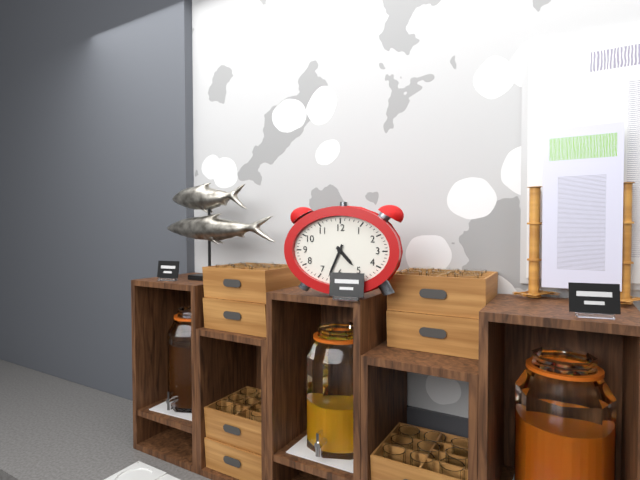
4.34
